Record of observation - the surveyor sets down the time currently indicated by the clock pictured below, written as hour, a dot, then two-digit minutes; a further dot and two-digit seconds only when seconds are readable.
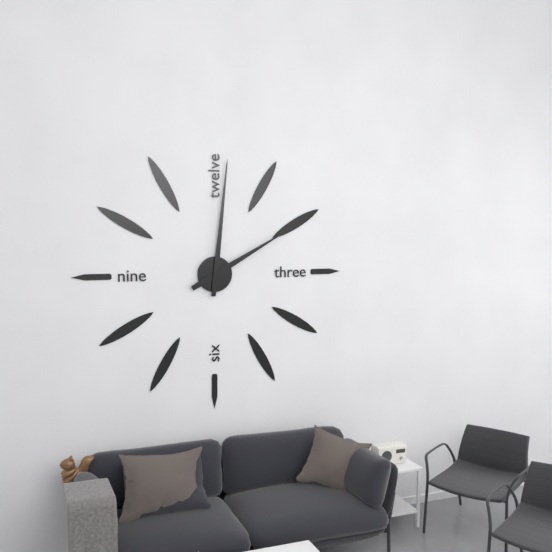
2.01
